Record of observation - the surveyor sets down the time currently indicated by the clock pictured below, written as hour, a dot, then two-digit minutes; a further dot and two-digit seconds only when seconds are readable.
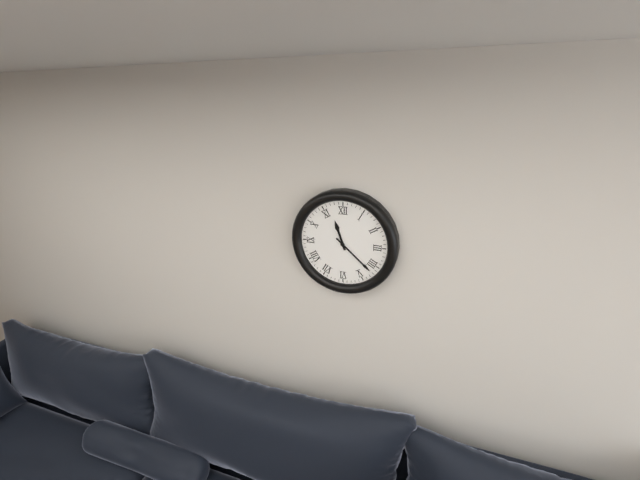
11.22
